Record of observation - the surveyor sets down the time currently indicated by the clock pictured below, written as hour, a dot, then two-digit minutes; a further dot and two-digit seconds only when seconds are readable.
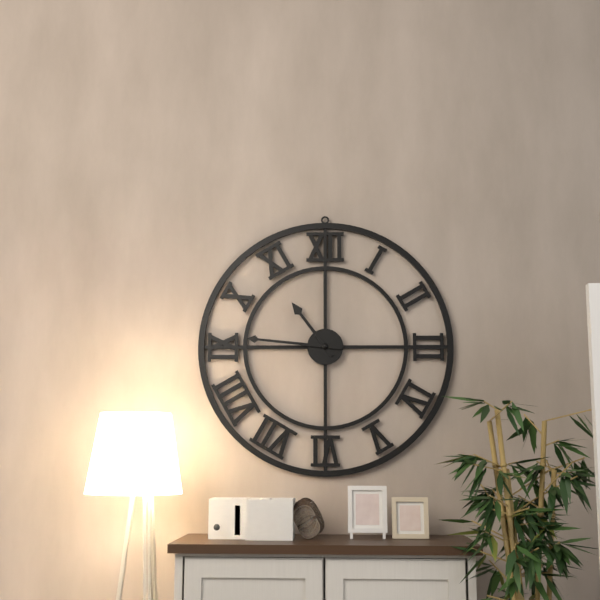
10.46
